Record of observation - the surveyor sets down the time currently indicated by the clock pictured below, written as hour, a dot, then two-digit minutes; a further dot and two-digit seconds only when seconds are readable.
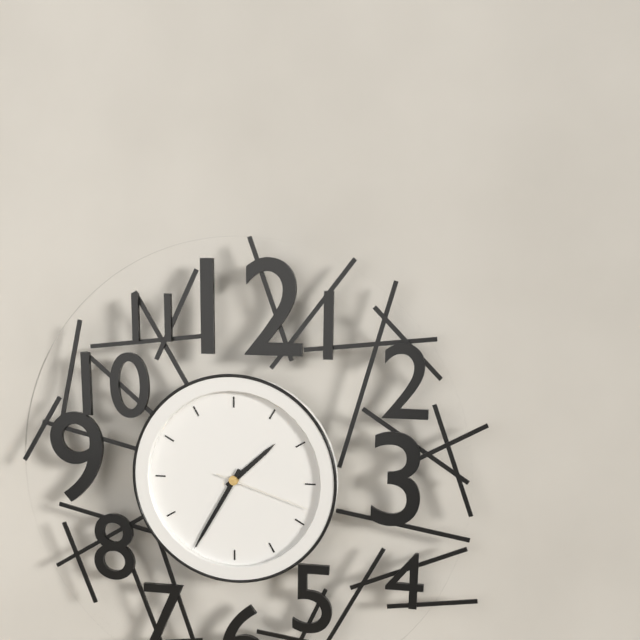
1.35.18
